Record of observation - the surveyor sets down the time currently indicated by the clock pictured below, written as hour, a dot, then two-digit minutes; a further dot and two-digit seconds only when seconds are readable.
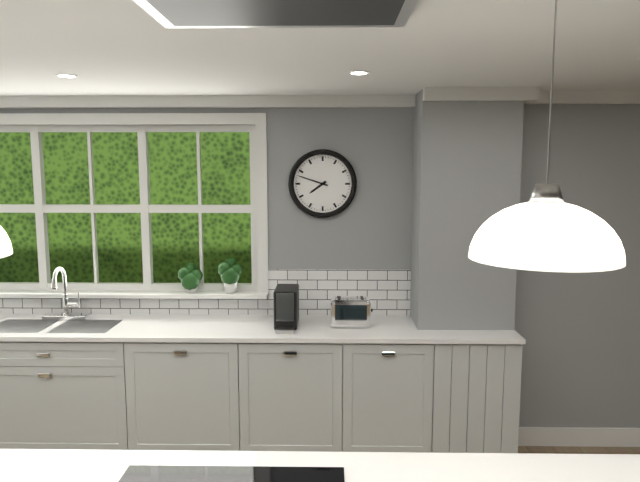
7.48
